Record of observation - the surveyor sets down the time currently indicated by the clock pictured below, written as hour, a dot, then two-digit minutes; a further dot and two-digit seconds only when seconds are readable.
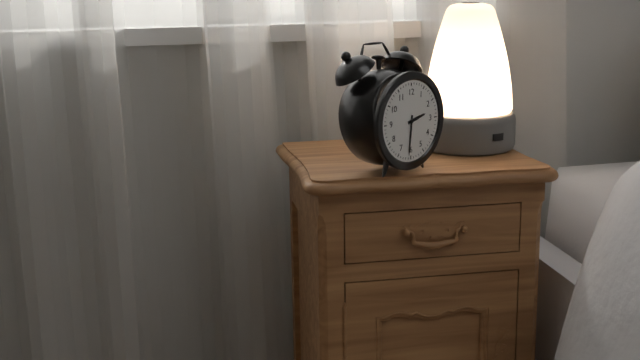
2.31
